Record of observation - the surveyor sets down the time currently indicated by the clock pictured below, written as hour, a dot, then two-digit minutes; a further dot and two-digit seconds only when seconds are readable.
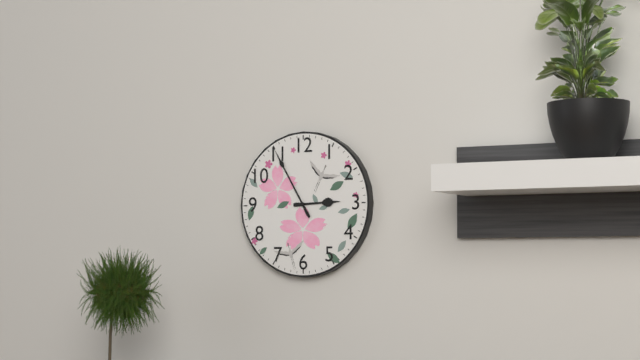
2.55
